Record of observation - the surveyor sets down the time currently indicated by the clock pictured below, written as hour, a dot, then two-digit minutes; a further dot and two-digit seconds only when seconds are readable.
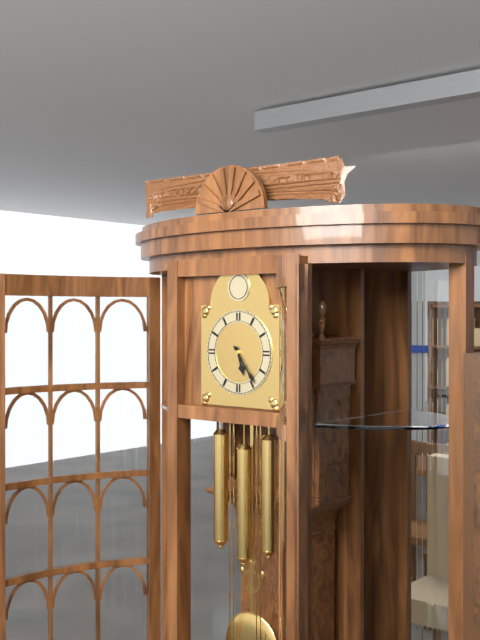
5.24
